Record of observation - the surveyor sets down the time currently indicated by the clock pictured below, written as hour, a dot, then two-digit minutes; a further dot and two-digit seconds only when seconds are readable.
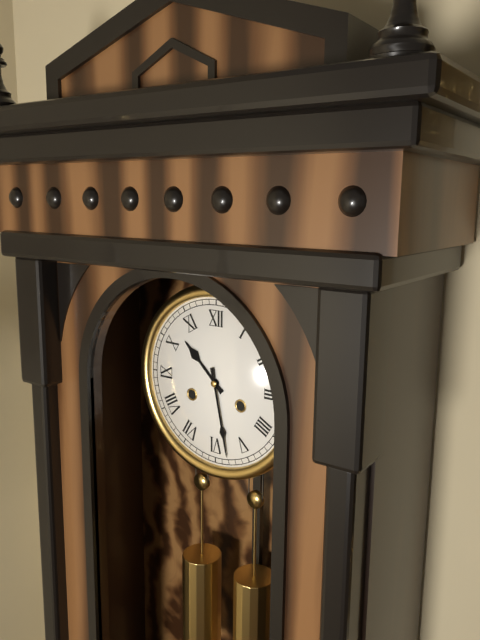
10.28
